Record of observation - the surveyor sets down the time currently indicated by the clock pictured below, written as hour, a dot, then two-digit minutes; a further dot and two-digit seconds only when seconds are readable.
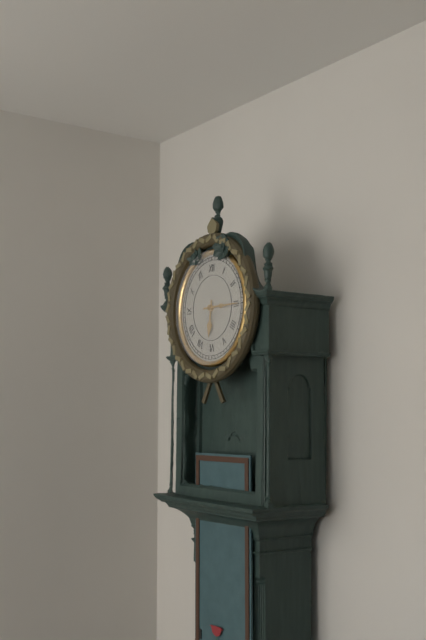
6.15
